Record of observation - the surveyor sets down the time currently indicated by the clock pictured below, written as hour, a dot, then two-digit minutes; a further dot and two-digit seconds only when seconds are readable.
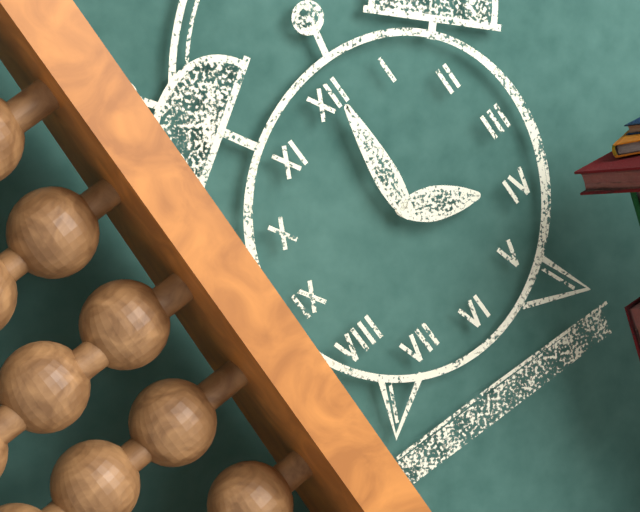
4.01
